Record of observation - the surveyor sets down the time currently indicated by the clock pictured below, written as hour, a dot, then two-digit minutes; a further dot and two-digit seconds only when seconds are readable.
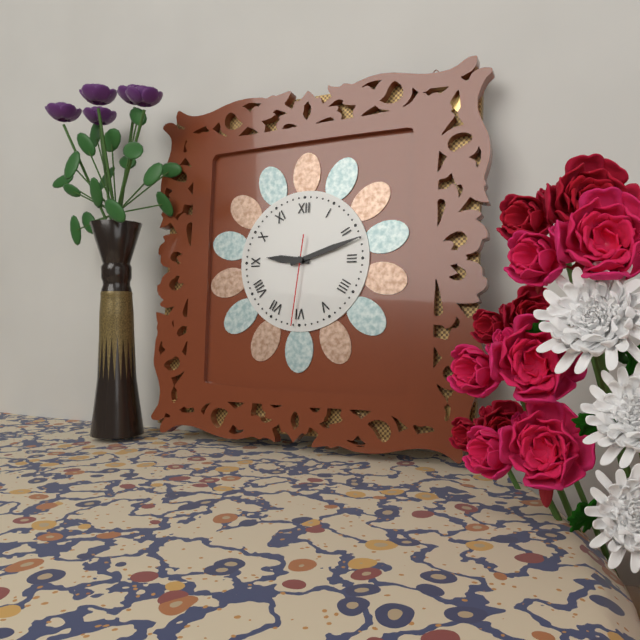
9.12.31
